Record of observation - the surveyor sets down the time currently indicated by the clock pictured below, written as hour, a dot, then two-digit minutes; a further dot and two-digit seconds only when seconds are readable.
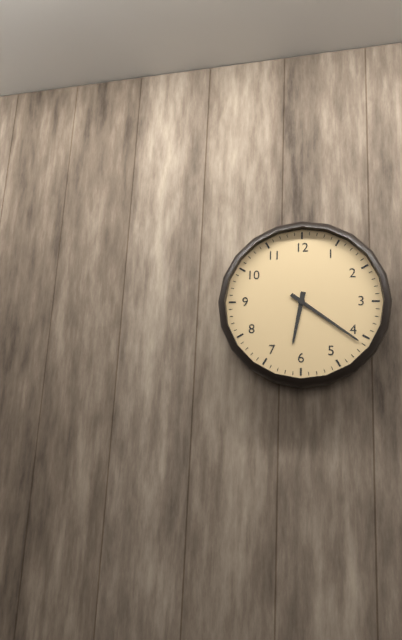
6.21
